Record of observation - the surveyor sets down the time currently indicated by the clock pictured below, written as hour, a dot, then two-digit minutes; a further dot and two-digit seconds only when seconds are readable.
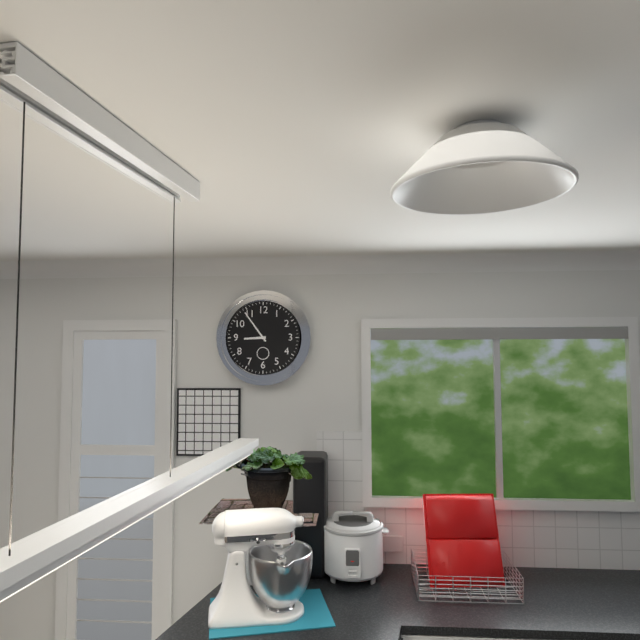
8.54
